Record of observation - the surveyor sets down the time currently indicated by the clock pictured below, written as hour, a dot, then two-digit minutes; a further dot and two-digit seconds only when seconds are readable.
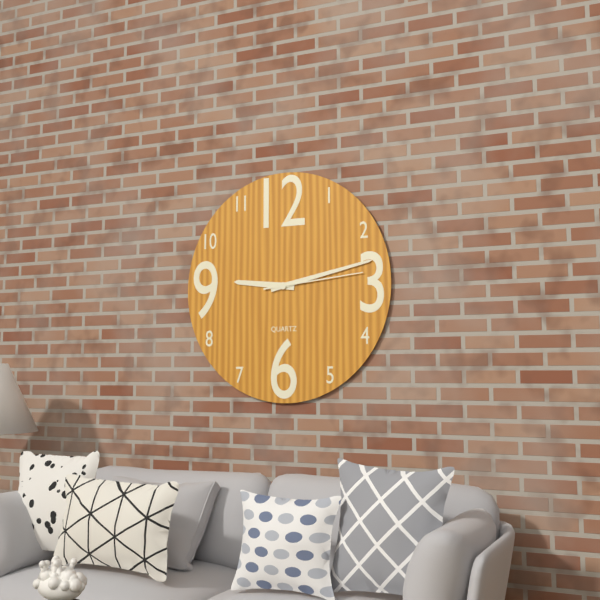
9.13.14
